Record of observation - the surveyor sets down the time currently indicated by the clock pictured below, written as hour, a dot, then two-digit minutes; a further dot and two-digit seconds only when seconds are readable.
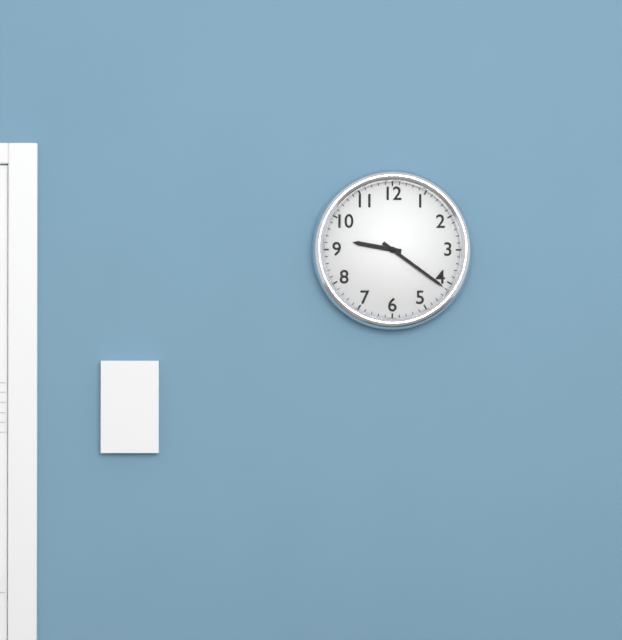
9.21
